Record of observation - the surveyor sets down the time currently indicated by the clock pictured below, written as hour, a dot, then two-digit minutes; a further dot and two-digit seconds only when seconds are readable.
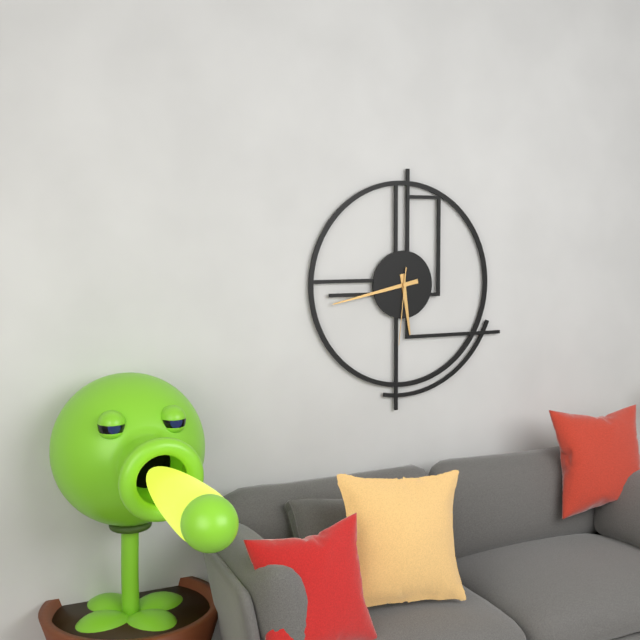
5.43.31
